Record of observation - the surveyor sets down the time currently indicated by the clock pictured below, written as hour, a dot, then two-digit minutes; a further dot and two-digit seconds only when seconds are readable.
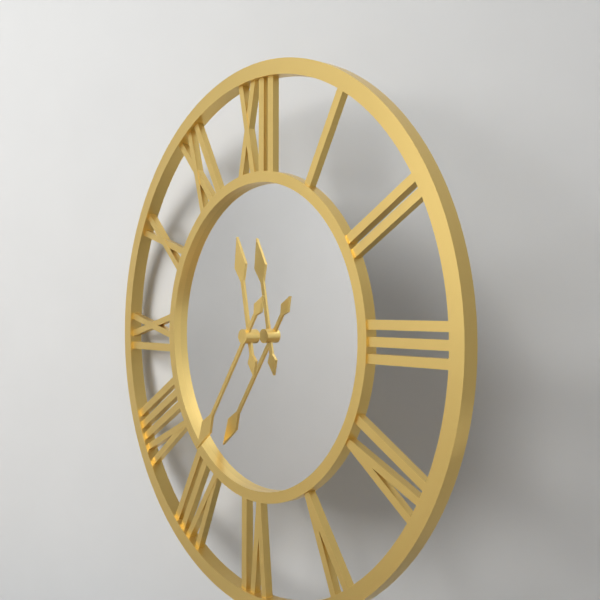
11.36
